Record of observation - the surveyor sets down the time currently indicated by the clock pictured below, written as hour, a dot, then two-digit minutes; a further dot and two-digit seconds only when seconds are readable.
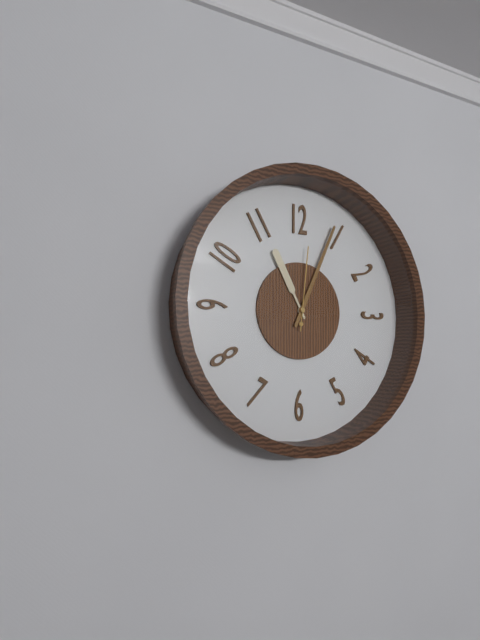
11.04.01
